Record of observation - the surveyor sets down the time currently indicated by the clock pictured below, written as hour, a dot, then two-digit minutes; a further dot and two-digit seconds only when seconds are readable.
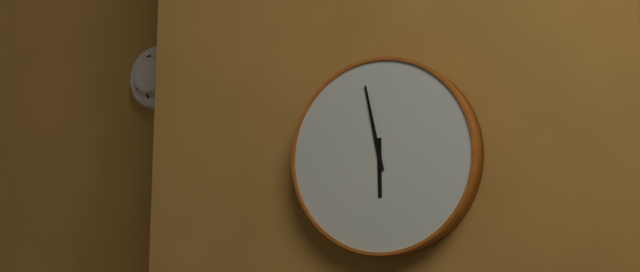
5.58
